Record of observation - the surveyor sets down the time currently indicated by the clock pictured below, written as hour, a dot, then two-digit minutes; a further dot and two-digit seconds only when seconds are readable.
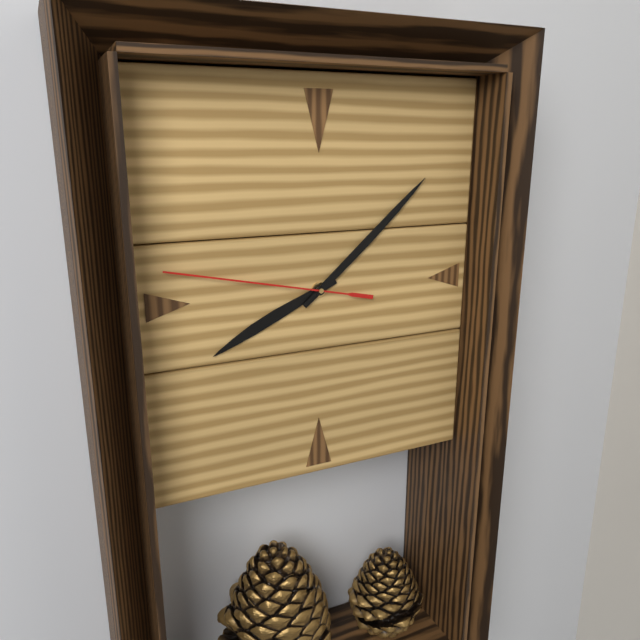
8.08.47
